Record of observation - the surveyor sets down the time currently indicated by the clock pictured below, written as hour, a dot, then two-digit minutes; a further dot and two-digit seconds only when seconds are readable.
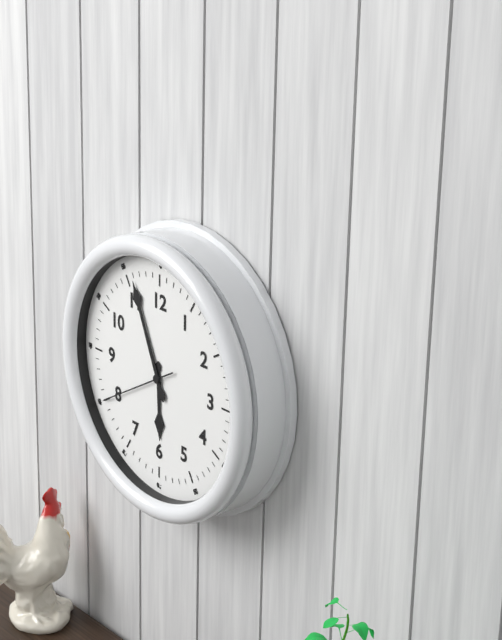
5.56.40
